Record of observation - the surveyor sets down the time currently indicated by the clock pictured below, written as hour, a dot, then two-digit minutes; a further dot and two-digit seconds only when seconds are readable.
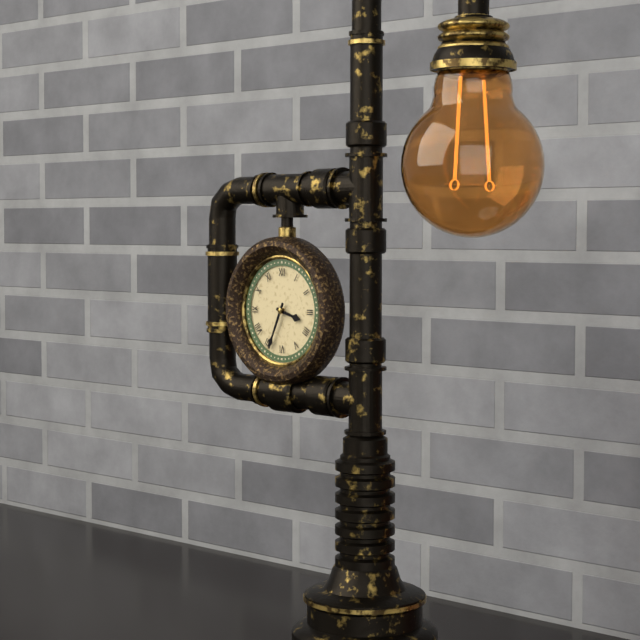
3.34
